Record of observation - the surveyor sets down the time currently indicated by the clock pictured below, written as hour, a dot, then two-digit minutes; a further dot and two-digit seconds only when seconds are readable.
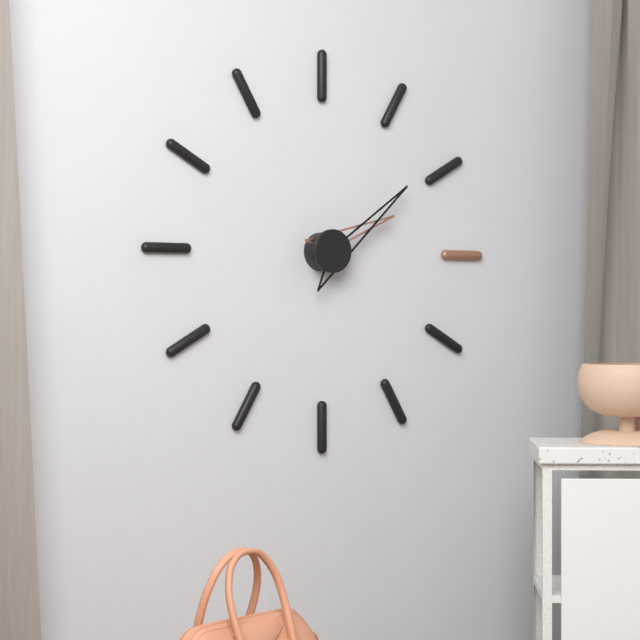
2.09
